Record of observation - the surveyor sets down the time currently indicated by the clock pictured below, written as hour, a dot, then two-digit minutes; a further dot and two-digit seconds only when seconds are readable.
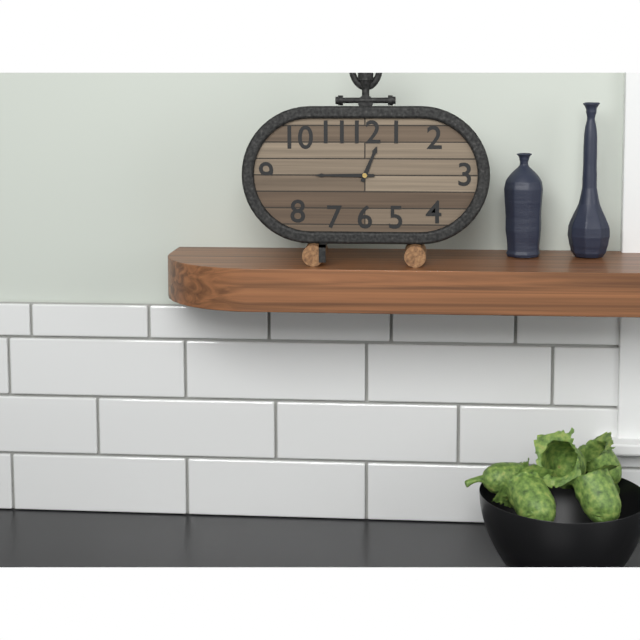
12.45
